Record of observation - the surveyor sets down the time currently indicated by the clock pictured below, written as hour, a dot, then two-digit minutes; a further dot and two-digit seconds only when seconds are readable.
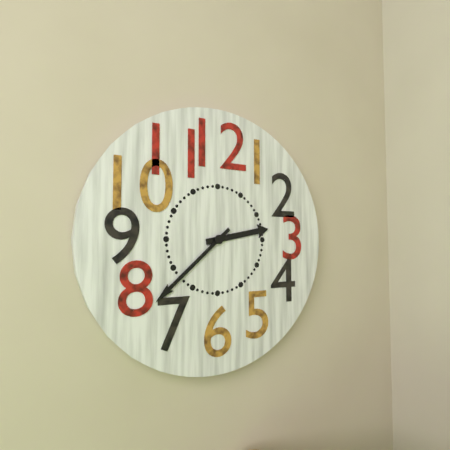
2.38
